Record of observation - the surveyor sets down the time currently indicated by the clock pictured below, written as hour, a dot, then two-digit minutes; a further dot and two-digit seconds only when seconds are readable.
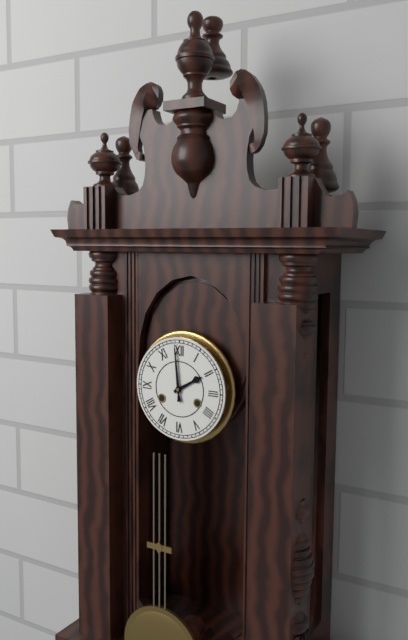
1.59
